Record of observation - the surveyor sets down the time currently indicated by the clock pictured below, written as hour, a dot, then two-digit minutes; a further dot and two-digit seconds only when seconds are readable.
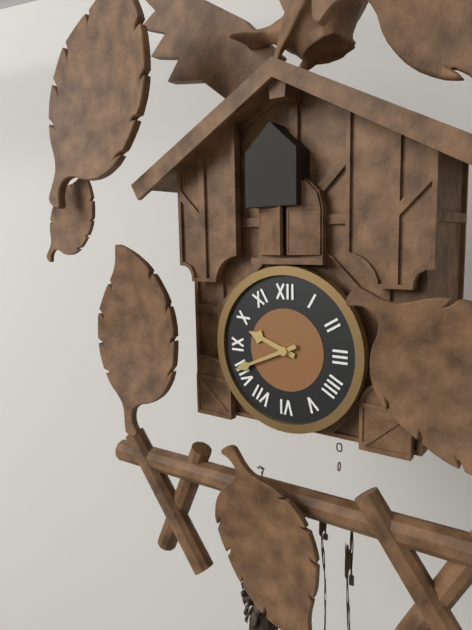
9.41
